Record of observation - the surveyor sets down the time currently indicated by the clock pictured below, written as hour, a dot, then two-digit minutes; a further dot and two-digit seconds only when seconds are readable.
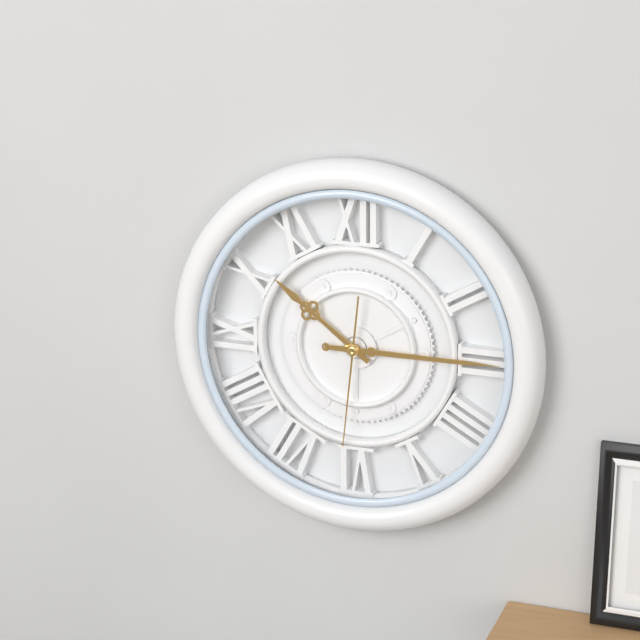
10.15.31
